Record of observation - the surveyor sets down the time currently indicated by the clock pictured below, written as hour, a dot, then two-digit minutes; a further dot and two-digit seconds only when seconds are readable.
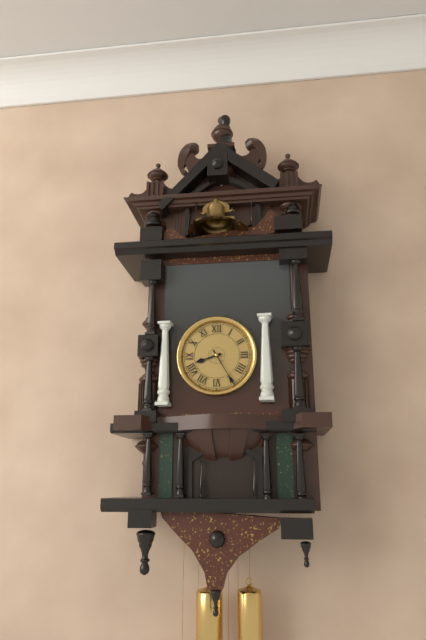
8.25
